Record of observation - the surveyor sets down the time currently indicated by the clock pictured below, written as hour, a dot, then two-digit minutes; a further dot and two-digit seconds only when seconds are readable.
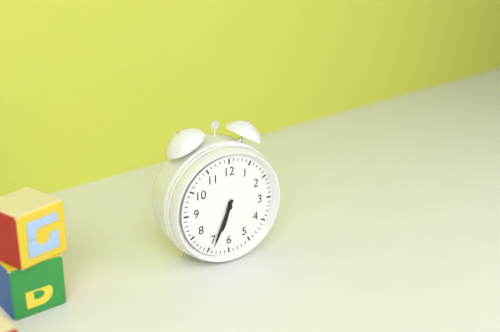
6.34
